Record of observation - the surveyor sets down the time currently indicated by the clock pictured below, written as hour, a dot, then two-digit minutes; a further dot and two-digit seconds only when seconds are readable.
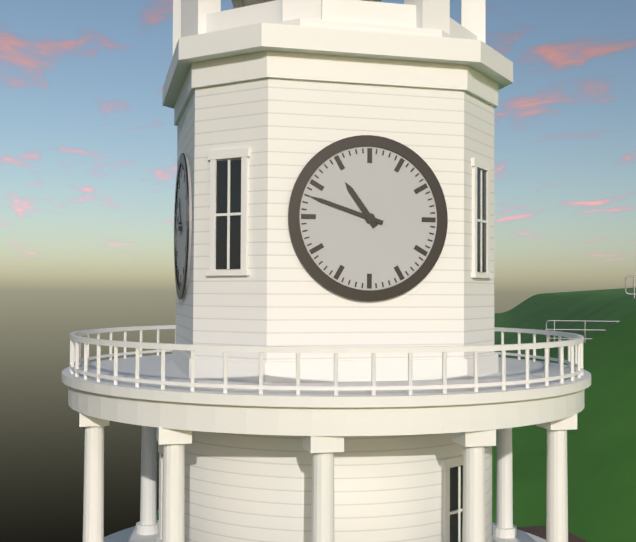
10.48
